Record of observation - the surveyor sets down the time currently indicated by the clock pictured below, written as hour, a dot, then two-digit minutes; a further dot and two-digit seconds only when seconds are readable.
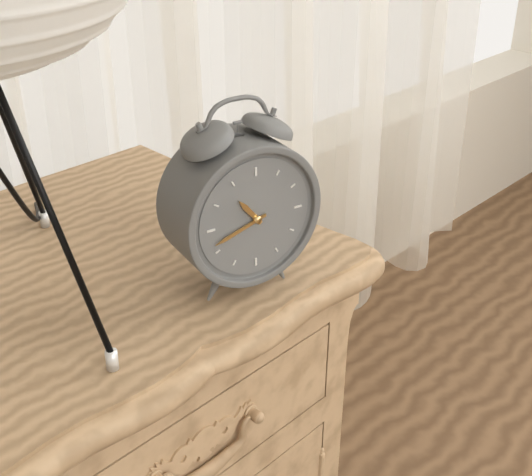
10.42
